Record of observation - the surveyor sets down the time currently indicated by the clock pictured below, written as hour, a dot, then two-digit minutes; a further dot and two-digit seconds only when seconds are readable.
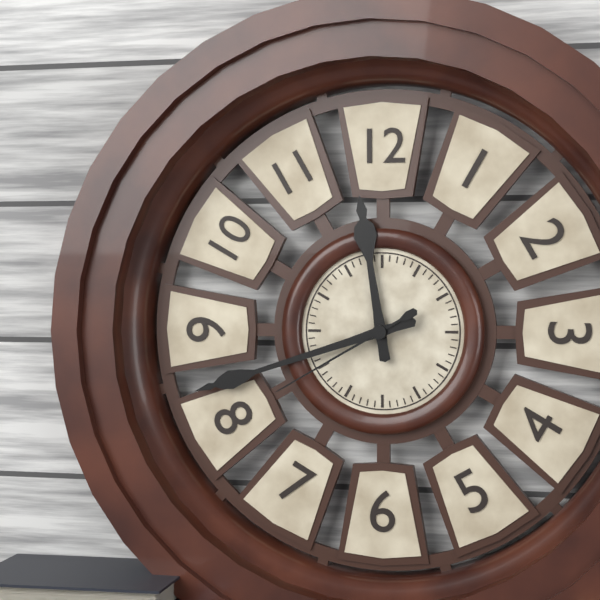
11.42.40
